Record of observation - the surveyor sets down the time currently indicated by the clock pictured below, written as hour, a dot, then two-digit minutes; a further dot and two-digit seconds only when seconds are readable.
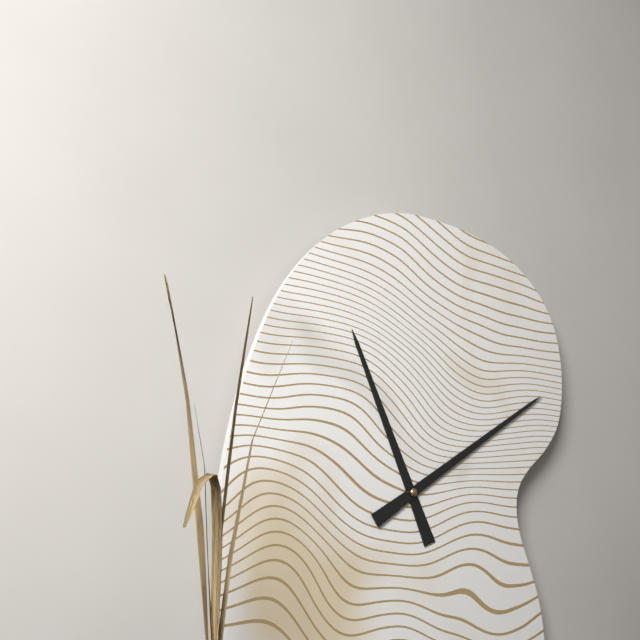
11.09
